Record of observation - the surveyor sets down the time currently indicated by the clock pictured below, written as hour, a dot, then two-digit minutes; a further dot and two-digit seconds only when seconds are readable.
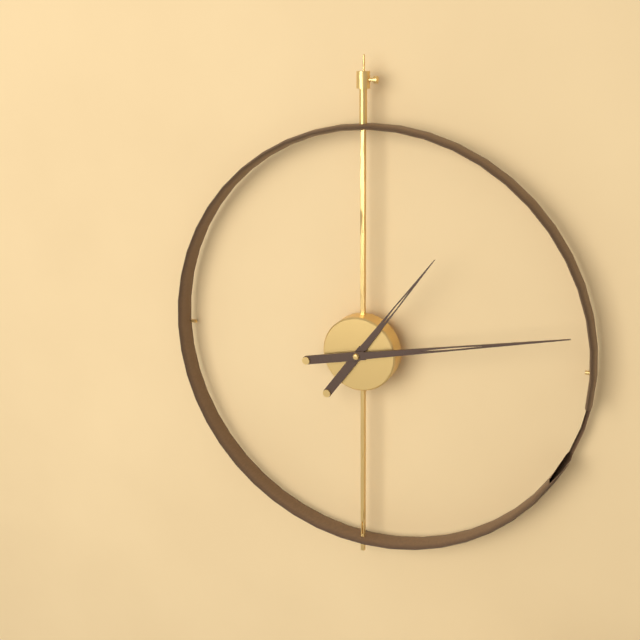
1.13
